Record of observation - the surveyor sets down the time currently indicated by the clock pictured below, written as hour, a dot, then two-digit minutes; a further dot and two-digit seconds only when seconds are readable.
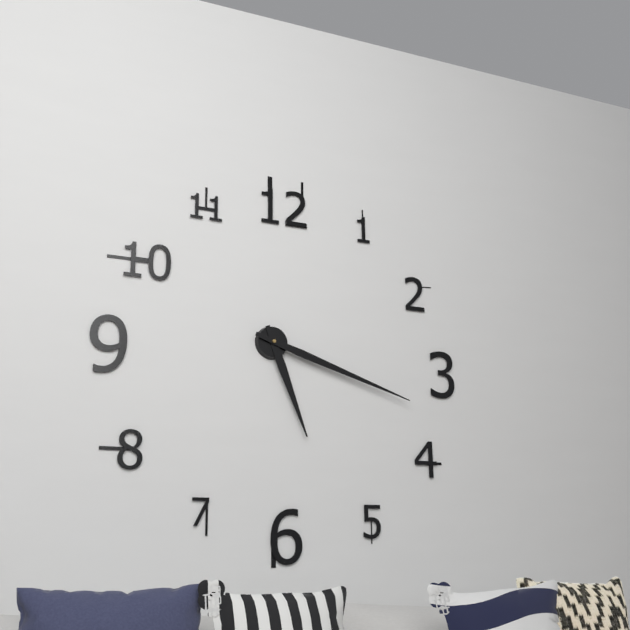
5.18
